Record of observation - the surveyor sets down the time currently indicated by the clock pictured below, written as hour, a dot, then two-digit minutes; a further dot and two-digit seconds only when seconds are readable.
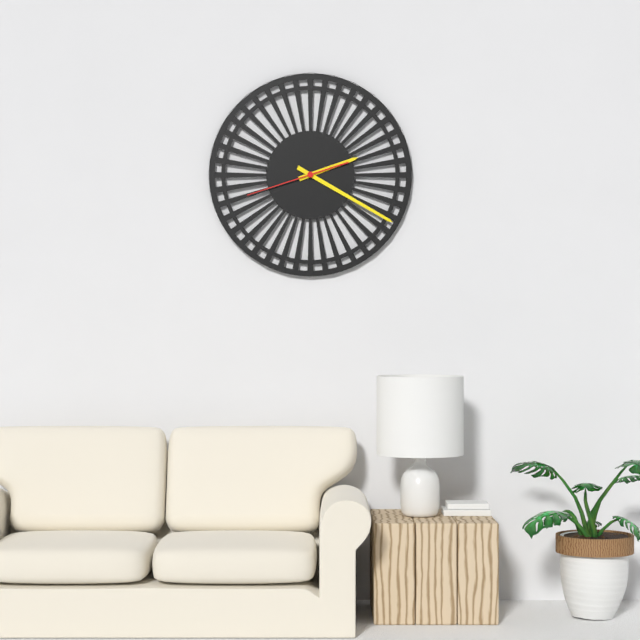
2.20.42
